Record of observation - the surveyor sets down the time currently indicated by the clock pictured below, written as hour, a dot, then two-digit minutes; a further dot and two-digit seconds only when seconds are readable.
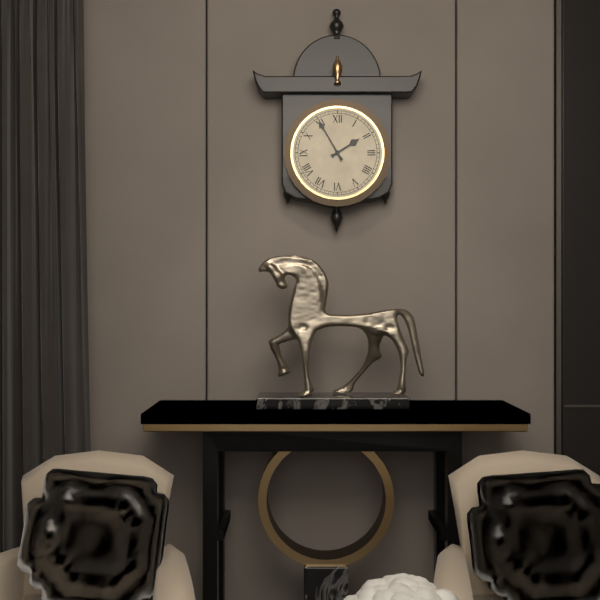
1.55
